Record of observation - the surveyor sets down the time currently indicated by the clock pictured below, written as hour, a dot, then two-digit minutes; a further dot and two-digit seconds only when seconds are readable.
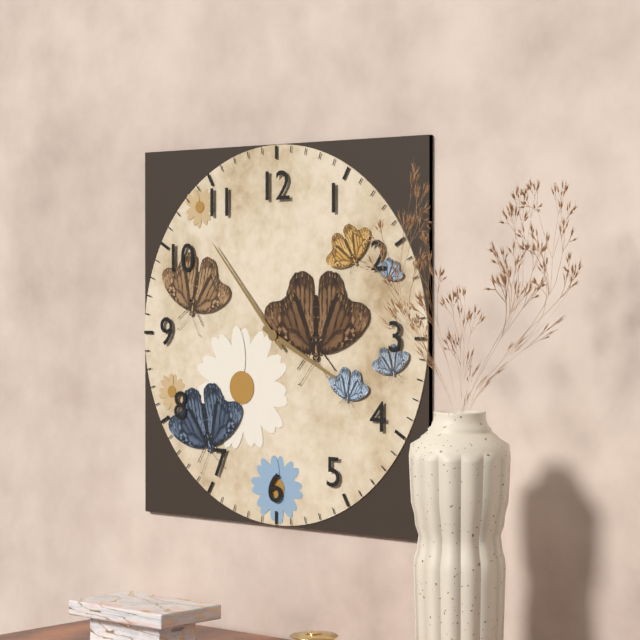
3.53
